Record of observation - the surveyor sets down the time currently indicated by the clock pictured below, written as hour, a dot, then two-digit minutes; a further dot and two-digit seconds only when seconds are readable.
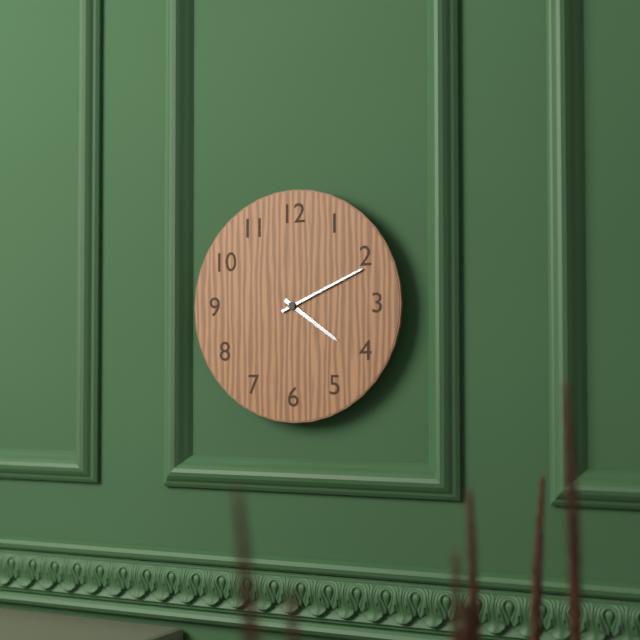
4.11
